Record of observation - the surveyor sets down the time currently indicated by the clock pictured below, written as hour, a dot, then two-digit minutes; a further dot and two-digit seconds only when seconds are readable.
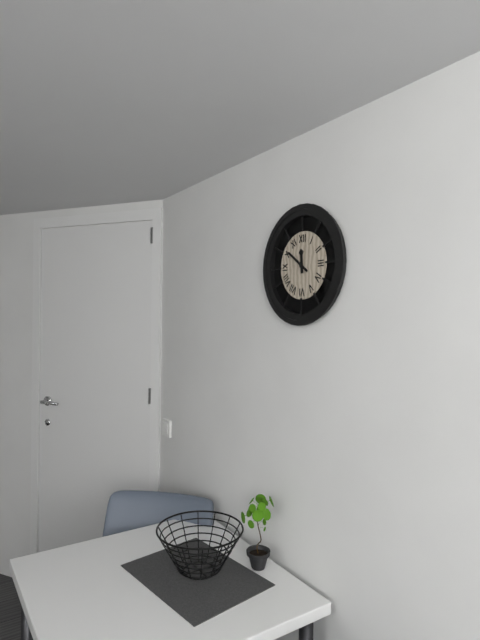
11.51
